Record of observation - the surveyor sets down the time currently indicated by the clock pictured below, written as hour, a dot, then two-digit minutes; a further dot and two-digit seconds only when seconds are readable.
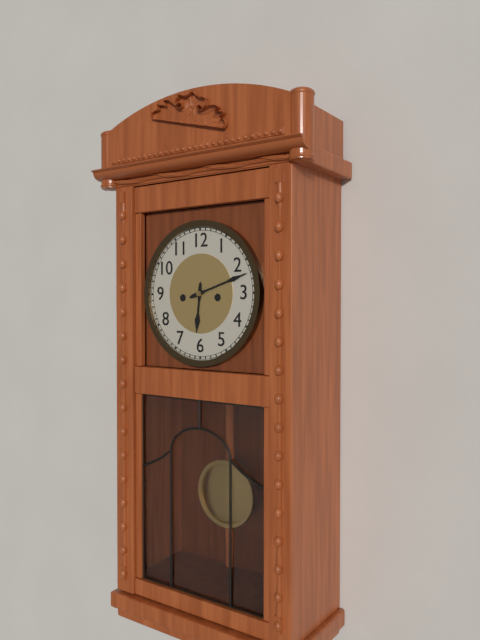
6.12
